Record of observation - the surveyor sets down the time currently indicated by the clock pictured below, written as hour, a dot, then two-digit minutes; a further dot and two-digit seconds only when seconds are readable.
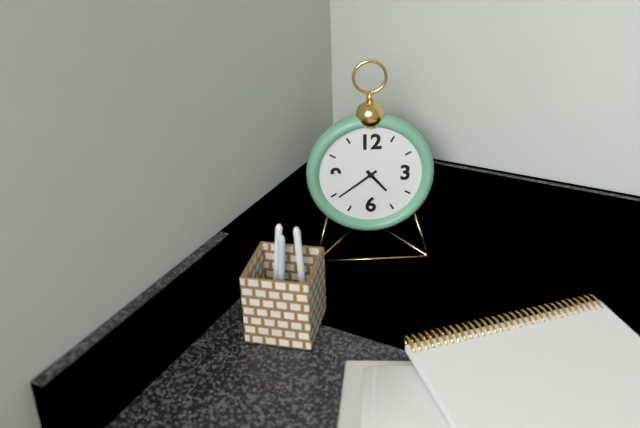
4.39
